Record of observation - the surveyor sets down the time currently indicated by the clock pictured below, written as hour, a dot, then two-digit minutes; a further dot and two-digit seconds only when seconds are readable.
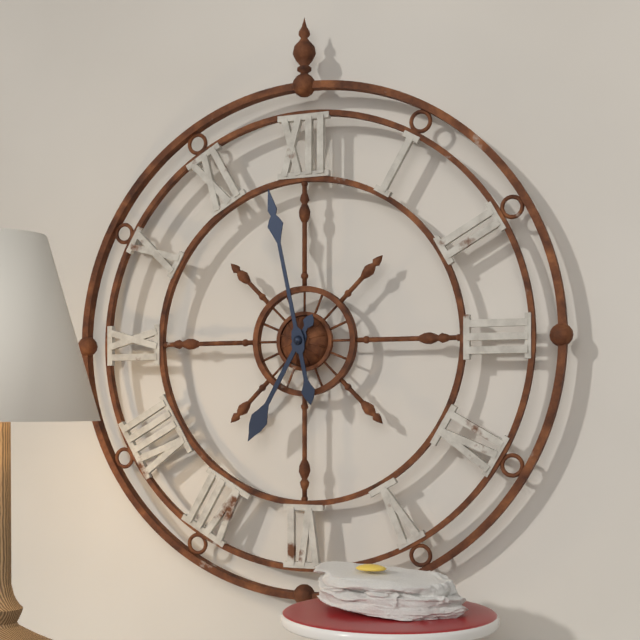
6.58
